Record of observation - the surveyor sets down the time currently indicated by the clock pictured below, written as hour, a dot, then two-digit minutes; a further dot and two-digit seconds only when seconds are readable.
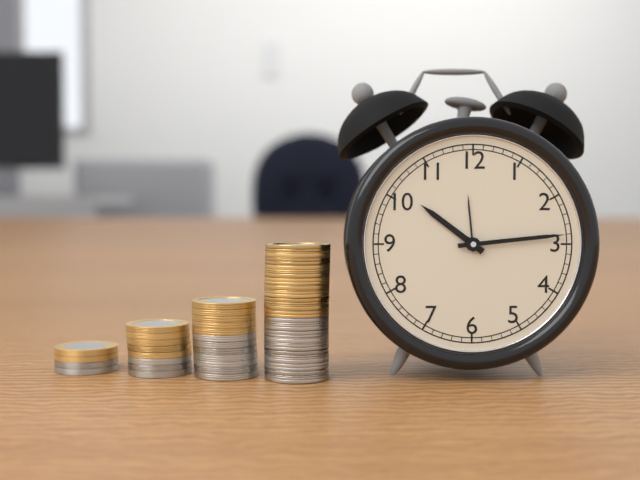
10.14
